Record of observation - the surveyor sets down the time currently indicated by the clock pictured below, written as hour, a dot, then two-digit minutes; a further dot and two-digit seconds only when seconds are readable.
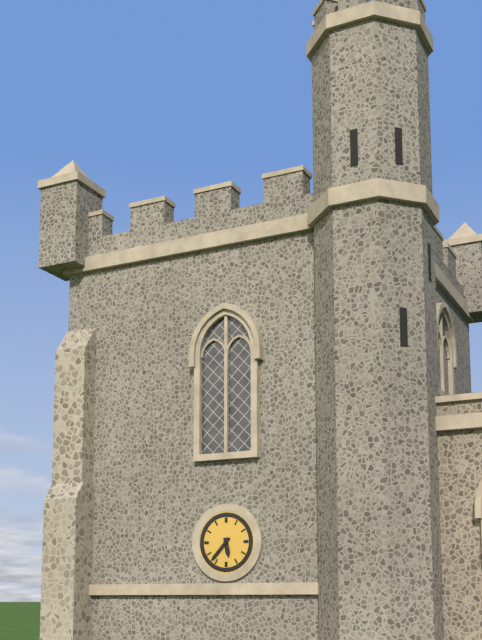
5.37
